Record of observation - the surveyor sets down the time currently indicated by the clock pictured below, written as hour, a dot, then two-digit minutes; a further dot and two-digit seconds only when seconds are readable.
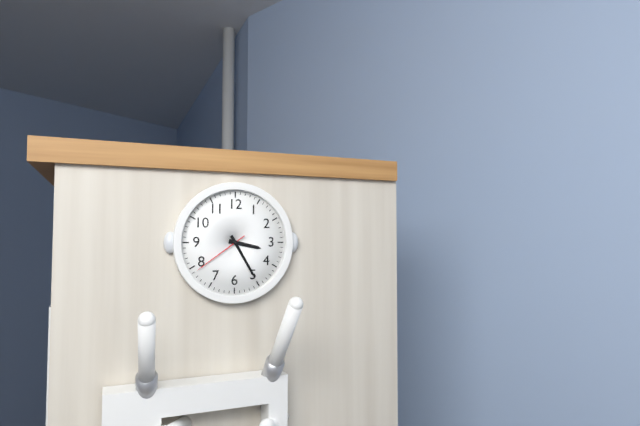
3.25.39
